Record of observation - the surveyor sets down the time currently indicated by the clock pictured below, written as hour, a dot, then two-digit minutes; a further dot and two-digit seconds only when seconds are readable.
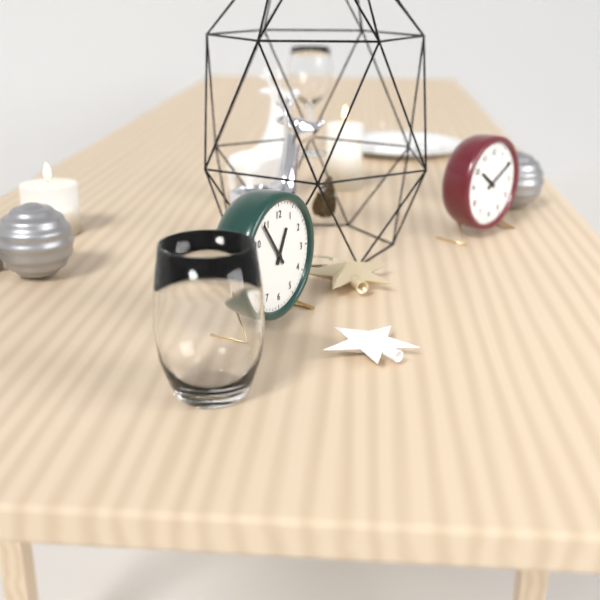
12.54
